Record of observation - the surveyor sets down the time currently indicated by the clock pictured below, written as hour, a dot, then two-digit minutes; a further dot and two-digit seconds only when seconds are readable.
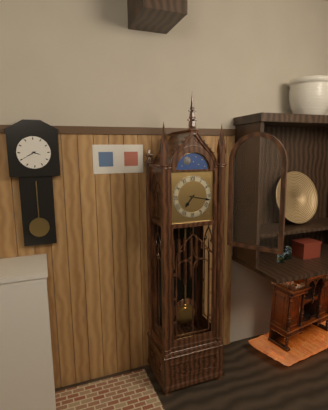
7.17
